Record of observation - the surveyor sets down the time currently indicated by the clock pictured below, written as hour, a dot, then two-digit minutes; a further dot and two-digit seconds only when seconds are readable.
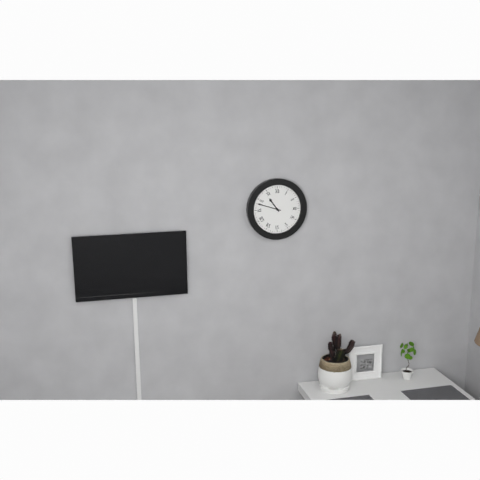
10.48
